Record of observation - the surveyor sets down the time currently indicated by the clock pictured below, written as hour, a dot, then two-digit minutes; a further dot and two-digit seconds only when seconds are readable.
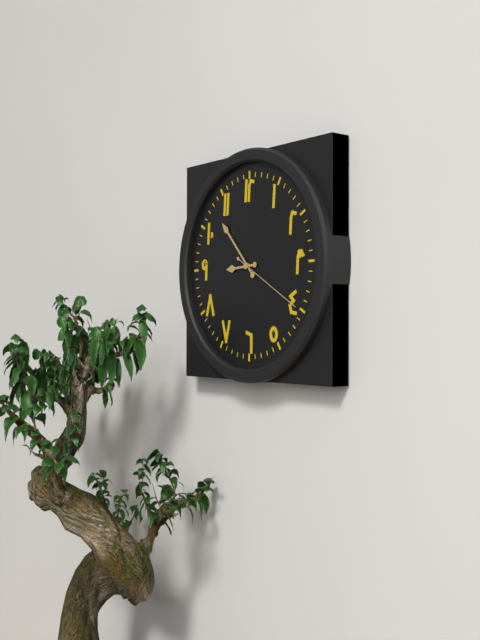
8.53.20
